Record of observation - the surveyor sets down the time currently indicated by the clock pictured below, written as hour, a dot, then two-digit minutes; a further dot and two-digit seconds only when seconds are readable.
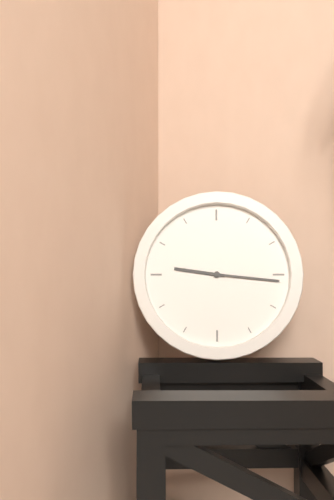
9.16
